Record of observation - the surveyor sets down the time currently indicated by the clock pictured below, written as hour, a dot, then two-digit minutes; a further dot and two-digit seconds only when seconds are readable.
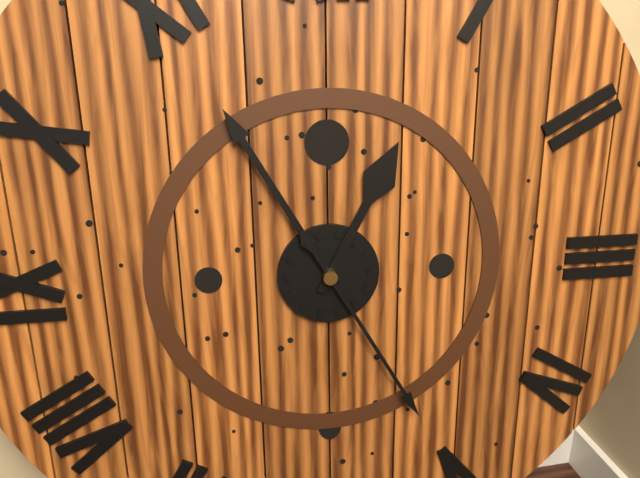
12.55.25
